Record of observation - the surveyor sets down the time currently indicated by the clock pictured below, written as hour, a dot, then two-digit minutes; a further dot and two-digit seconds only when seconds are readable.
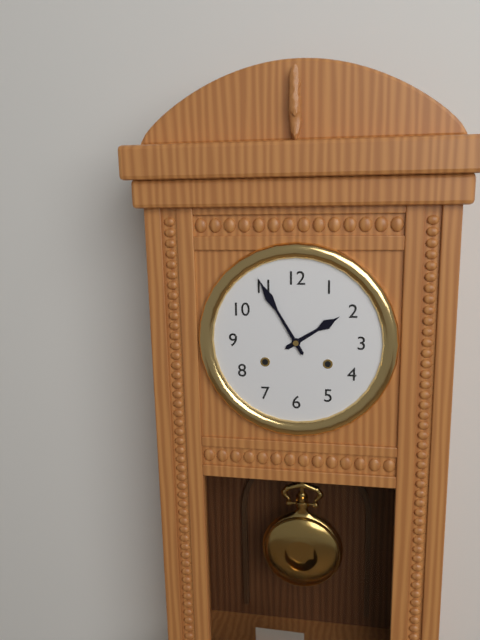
1.55
